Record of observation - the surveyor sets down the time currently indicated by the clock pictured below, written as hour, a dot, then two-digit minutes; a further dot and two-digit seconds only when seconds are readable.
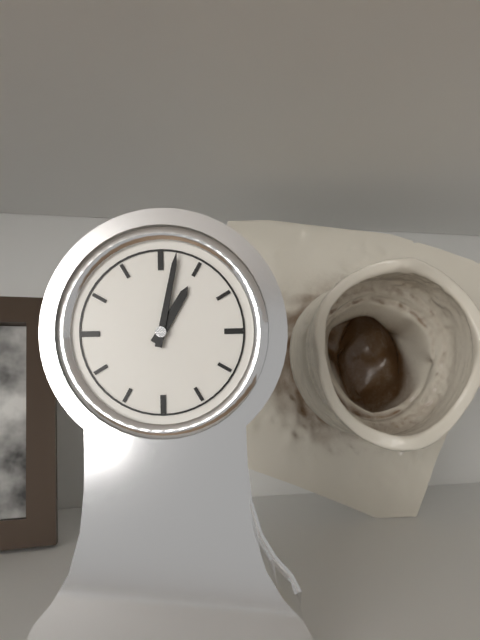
1.02
